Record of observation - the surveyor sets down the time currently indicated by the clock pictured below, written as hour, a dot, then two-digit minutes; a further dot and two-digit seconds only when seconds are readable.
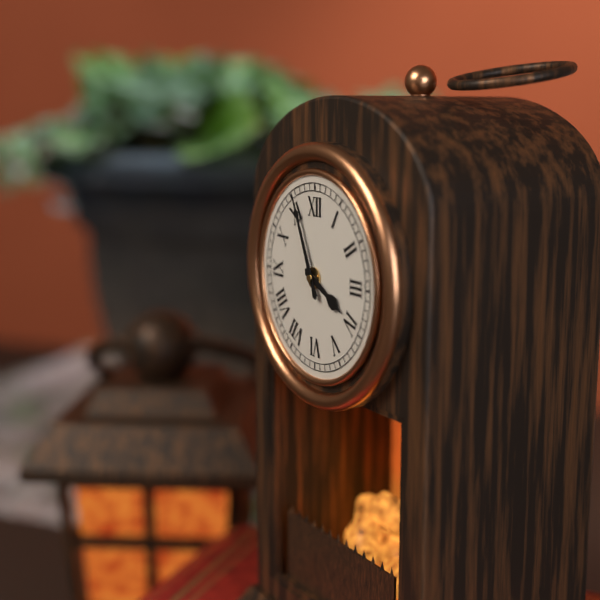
3.56
